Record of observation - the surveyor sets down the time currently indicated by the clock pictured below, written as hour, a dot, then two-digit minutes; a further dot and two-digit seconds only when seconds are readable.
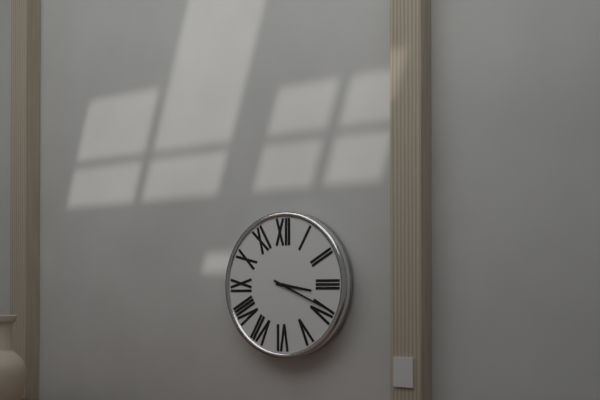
3.19
